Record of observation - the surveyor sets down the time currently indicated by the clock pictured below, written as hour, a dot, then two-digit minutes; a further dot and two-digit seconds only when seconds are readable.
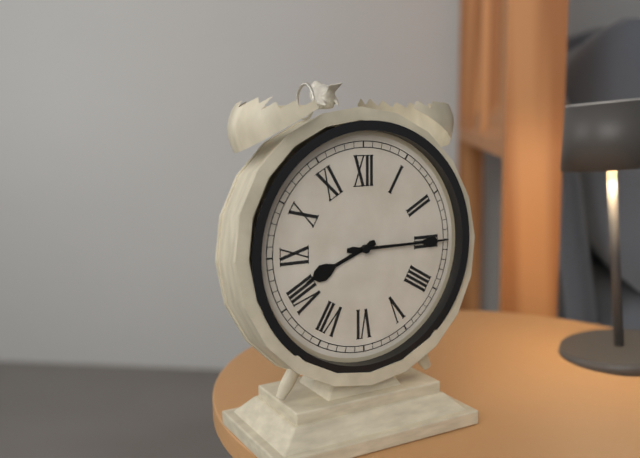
8.15
